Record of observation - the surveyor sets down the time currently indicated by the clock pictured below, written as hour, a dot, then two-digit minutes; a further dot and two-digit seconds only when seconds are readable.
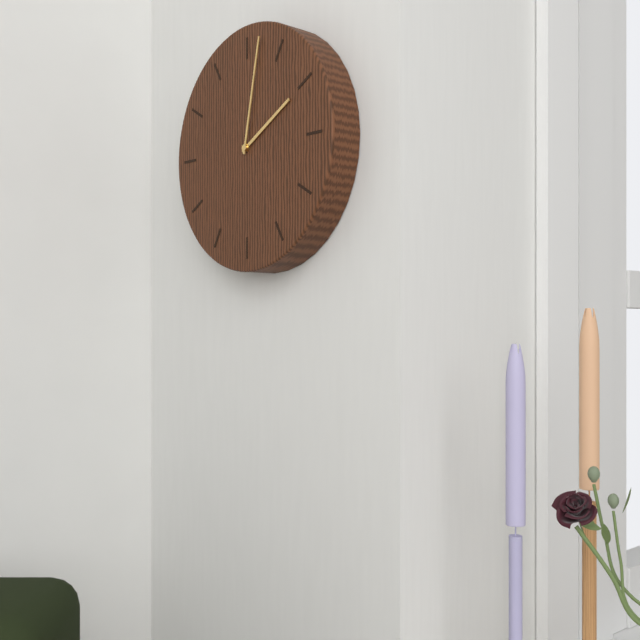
2.02
